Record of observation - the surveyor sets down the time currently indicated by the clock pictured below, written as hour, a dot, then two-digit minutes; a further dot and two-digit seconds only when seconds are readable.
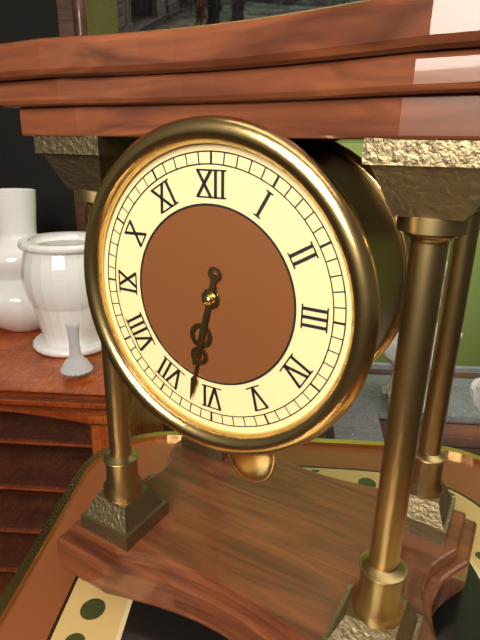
6.32
